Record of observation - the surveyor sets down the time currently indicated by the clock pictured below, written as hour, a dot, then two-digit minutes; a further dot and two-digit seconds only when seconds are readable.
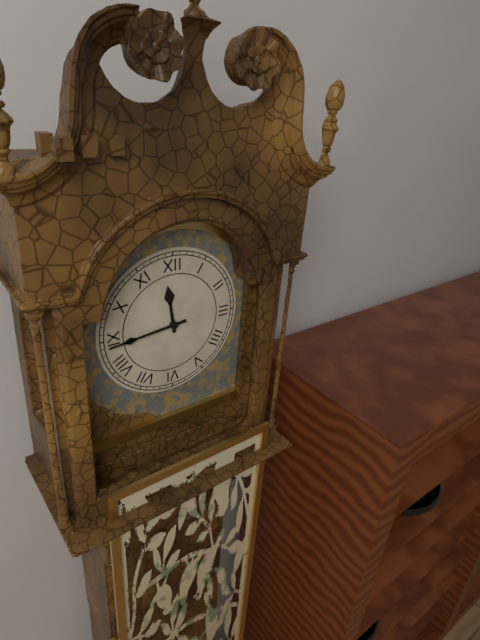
11.44
